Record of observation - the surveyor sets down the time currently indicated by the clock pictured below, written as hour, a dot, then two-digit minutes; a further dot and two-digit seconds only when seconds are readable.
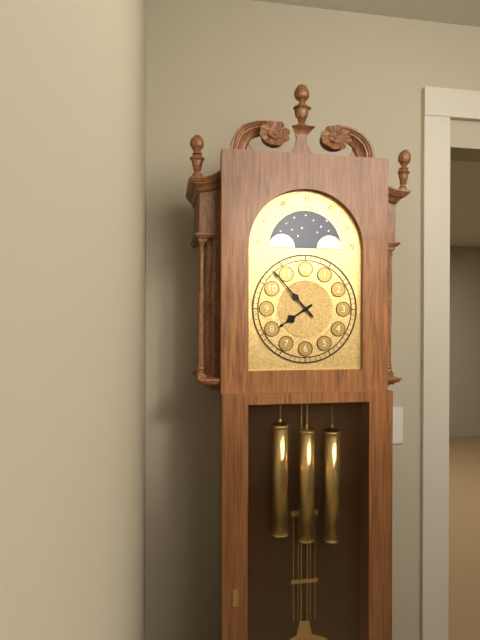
7.53
